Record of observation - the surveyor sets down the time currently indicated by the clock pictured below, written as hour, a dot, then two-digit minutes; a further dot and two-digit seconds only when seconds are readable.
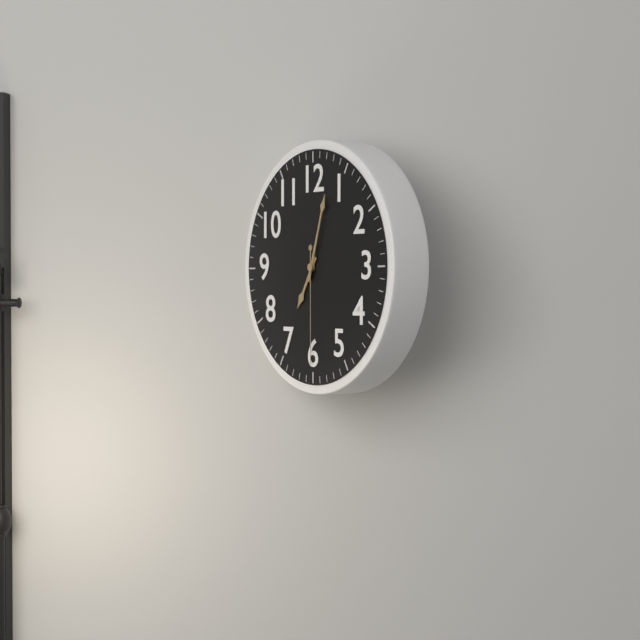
7.03.30
